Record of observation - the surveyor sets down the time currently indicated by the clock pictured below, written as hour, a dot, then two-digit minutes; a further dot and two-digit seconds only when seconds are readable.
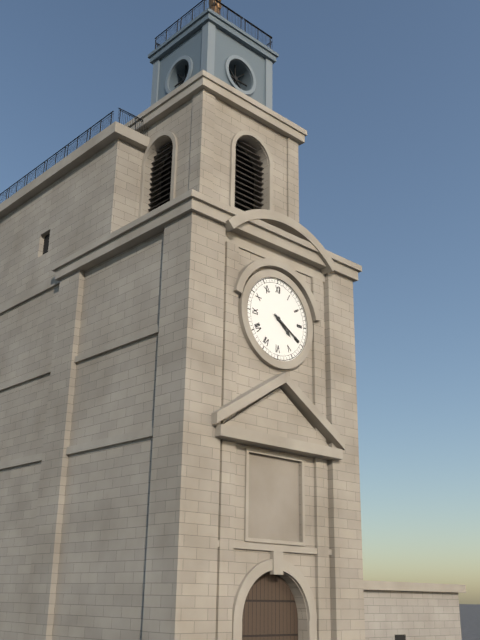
4.20
